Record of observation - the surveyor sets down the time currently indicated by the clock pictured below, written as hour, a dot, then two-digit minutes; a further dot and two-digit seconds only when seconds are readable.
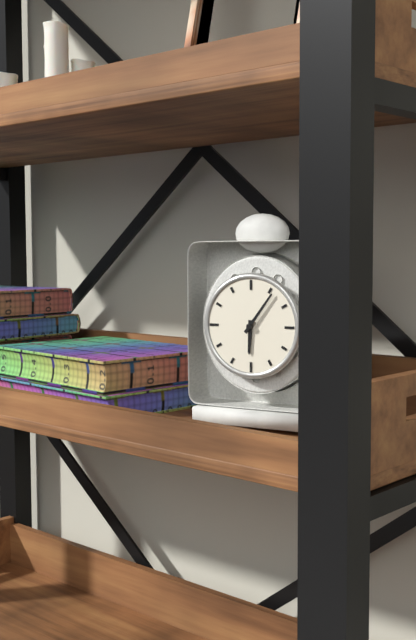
6.06
